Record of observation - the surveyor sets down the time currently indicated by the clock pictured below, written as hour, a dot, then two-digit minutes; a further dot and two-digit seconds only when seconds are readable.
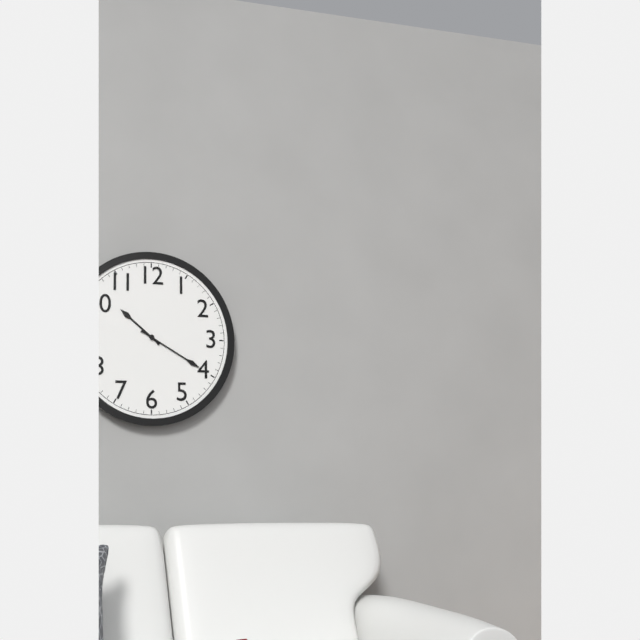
10.20
